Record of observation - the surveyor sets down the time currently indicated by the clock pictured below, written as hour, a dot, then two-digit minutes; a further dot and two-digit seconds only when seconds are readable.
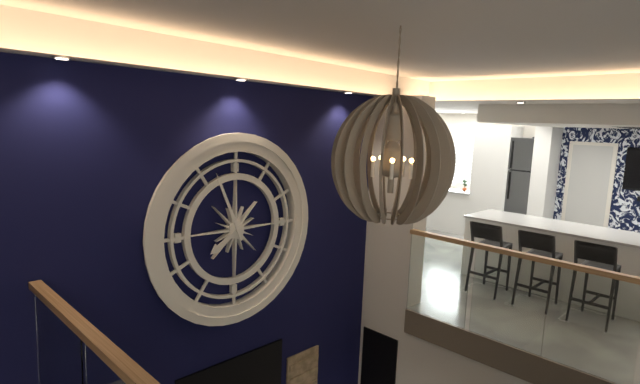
7.56
